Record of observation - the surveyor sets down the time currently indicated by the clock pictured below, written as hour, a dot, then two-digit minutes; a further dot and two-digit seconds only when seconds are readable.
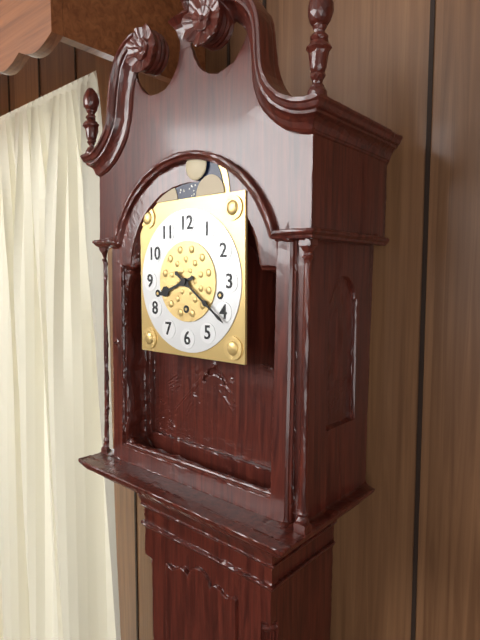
8.21
